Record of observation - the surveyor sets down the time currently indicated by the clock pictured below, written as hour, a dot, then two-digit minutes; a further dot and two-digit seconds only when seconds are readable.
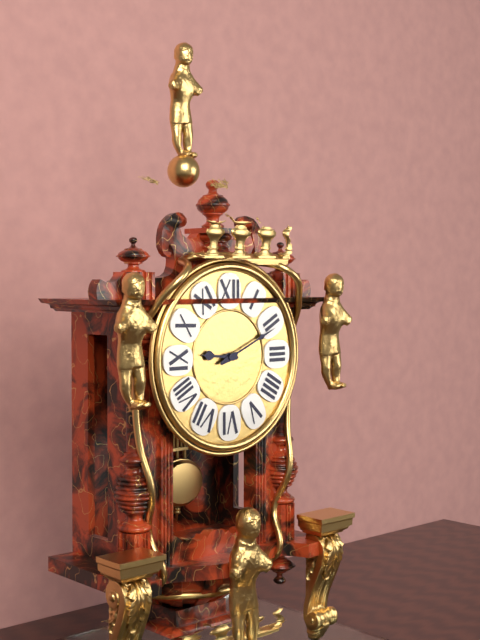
9.11
